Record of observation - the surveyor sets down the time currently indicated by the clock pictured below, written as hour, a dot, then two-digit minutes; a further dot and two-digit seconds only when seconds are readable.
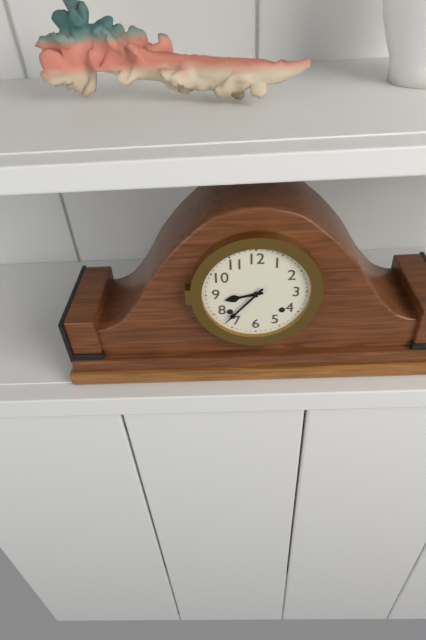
8.37
